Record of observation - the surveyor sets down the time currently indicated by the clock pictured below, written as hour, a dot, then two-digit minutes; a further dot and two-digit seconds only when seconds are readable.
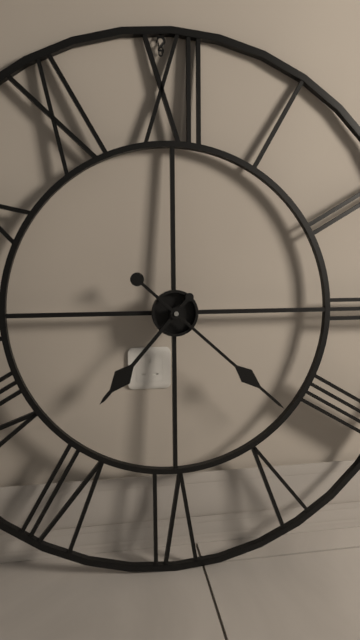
7.22
